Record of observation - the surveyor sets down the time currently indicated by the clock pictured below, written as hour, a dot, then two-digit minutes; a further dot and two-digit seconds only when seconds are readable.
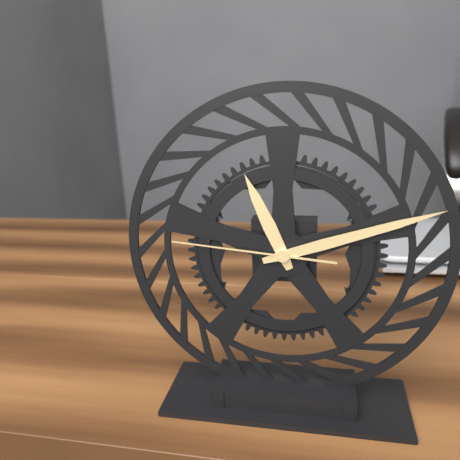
11.12.46
